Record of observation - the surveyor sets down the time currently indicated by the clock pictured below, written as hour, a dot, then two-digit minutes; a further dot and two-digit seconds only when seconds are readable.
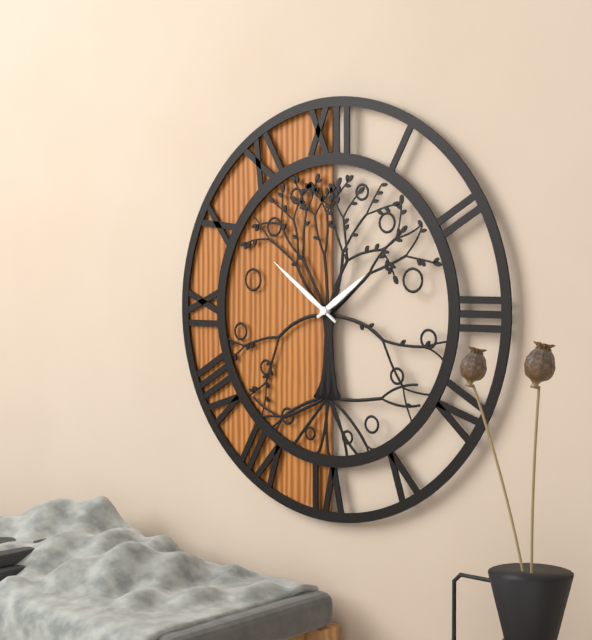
1.51
